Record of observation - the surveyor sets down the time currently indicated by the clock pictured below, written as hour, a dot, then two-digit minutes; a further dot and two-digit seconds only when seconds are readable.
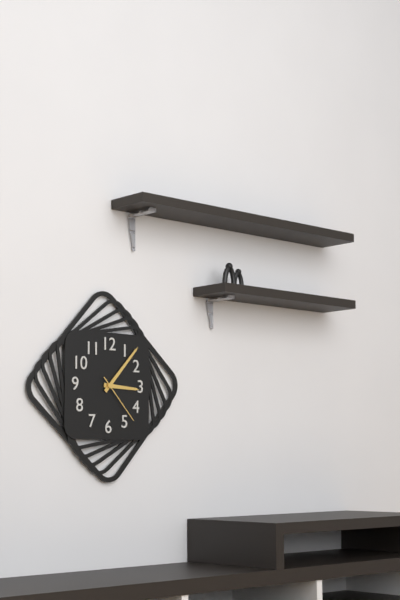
3.07.23
